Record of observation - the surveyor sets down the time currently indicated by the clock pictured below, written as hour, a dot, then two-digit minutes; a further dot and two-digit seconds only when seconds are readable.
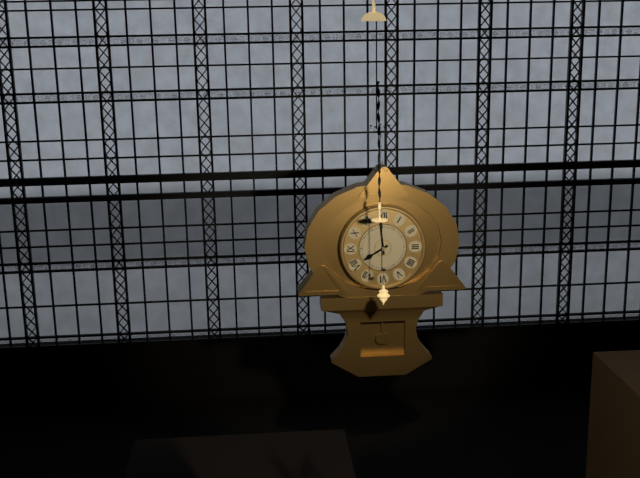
7.59
